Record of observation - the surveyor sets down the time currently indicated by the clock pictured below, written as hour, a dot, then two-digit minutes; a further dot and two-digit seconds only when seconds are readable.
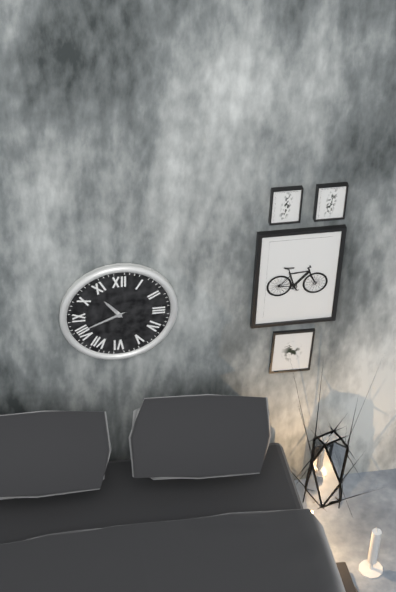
10.41
